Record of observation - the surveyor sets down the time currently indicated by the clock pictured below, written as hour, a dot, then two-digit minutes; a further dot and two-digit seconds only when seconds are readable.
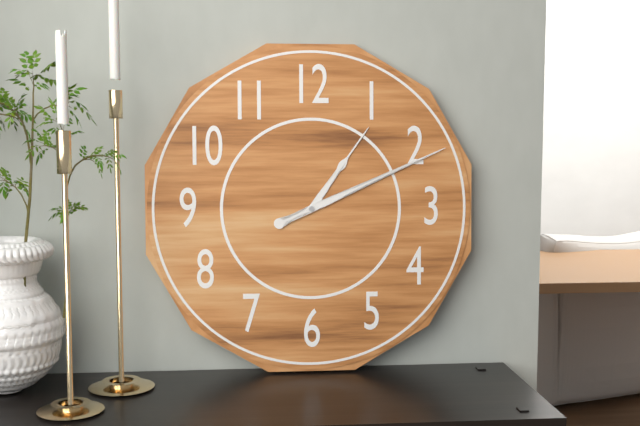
1.11
